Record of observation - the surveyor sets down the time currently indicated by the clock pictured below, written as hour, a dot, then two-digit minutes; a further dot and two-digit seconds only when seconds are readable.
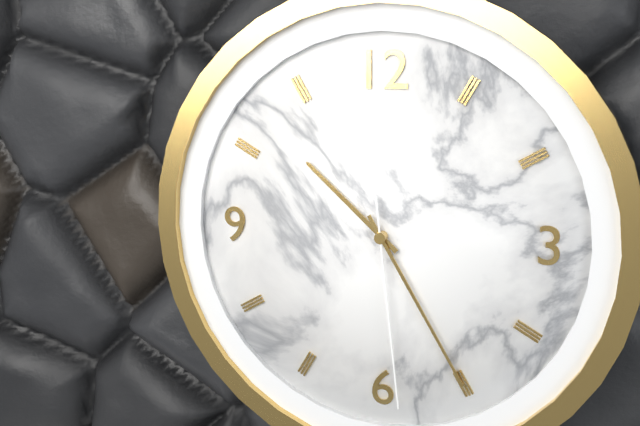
10.25.29
